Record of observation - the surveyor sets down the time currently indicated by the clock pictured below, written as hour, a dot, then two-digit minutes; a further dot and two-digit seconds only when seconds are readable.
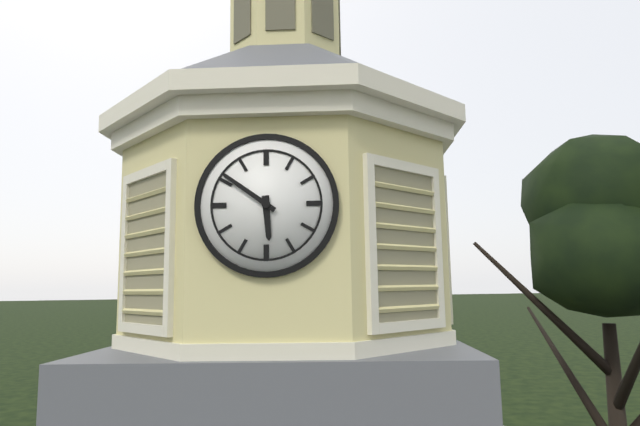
5.51
